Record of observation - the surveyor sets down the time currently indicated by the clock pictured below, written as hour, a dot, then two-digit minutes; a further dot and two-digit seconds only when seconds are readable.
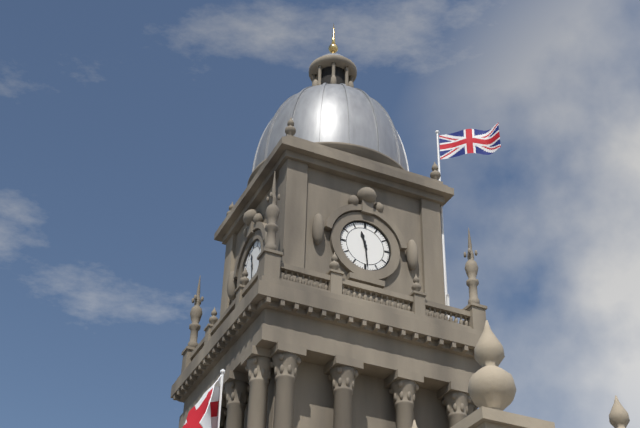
11.29
